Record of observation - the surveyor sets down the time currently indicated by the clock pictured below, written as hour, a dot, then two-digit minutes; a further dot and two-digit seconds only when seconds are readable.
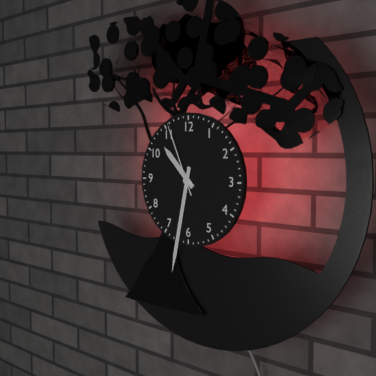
10.32.56
